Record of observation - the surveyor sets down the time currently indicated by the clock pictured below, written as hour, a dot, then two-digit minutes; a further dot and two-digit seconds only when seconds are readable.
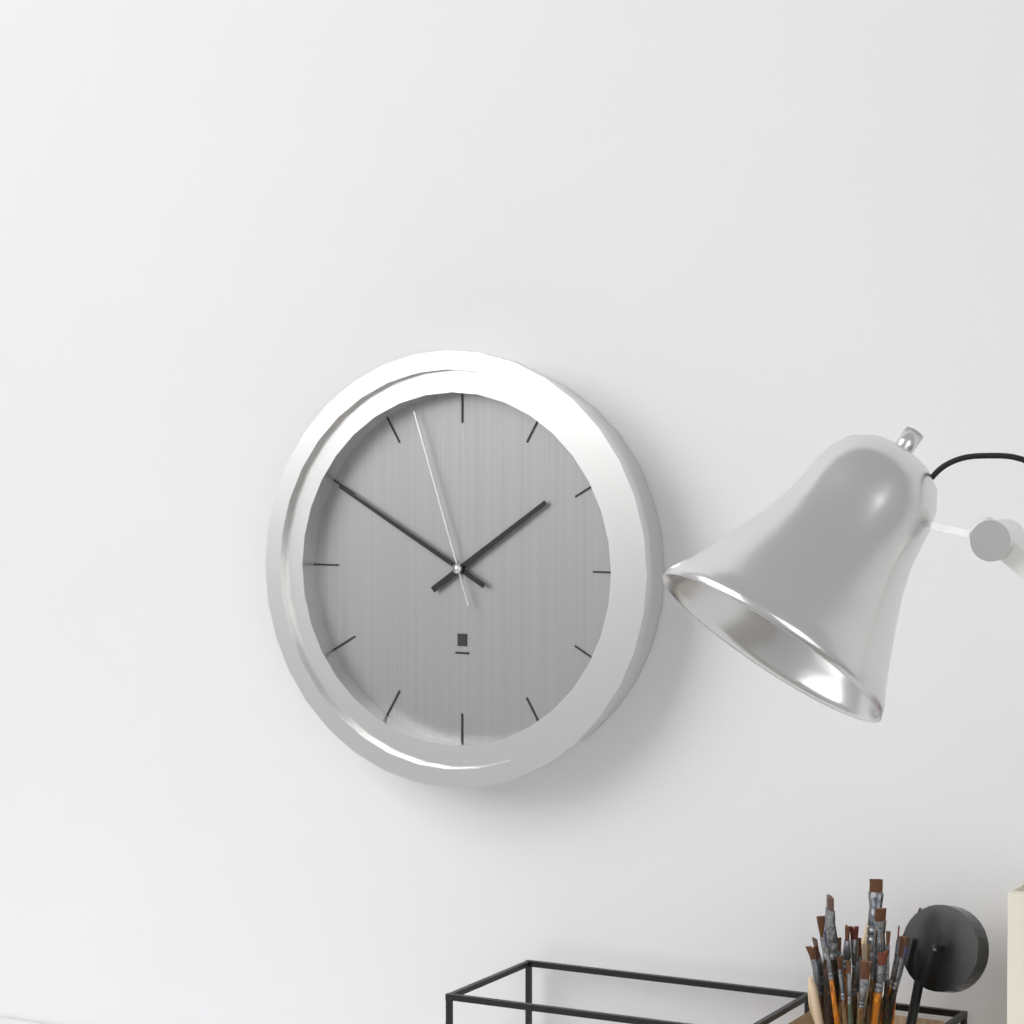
1.50.57
